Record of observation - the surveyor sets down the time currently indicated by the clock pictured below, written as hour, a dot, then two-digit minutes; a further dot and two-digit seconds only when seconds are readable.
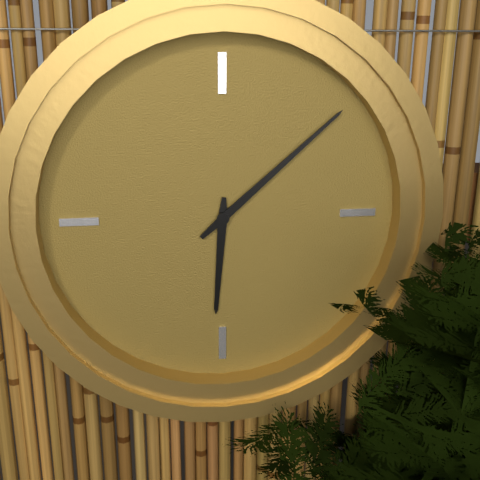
6.08
